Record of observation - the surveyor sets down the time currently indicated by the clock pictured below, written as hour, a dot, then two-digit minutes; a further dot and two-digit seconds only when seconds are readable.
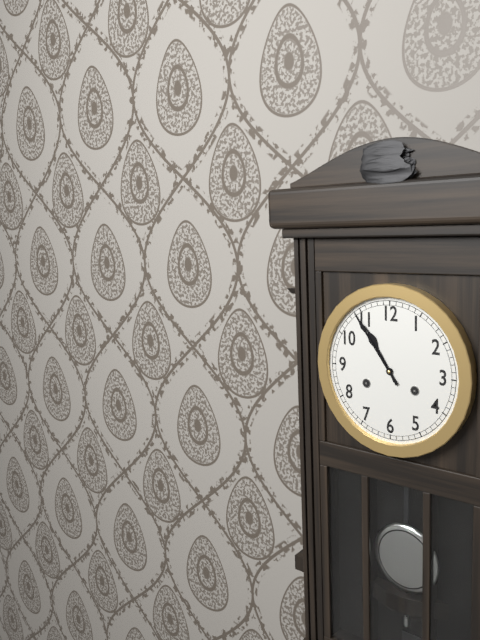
10.54
